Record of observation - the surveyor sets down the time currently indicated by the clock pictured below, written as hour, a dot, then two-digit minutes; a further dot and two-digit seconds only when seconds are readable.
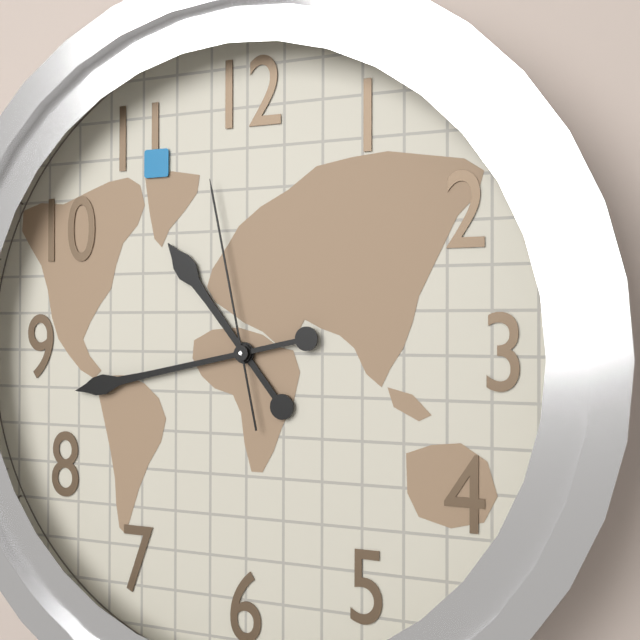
10.43.58
